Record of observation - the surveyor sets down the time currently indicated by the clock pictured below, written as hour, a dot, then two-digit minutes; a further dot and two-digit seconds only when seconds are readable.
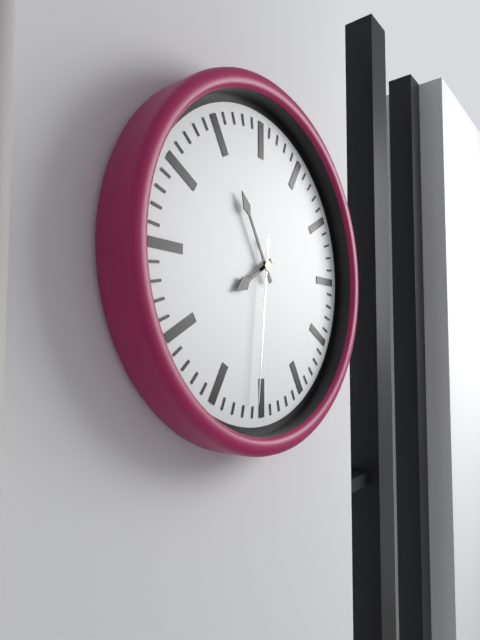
7.55.31
